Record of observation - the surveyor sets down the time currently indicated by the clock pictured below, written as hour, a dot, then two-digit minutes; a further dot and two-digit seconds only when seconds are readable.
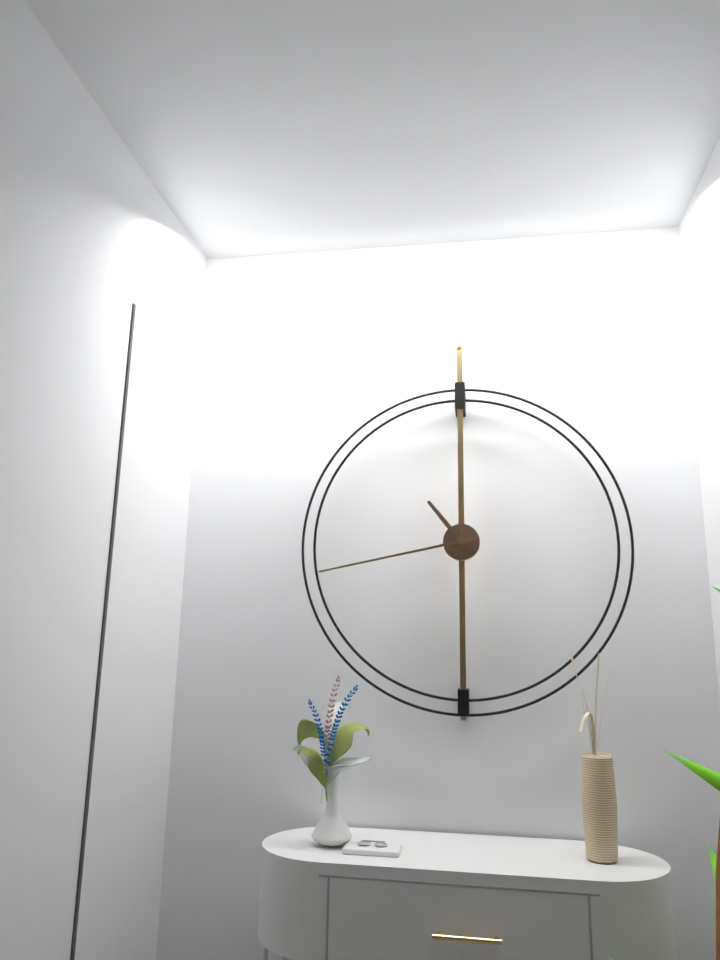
10.43.30
